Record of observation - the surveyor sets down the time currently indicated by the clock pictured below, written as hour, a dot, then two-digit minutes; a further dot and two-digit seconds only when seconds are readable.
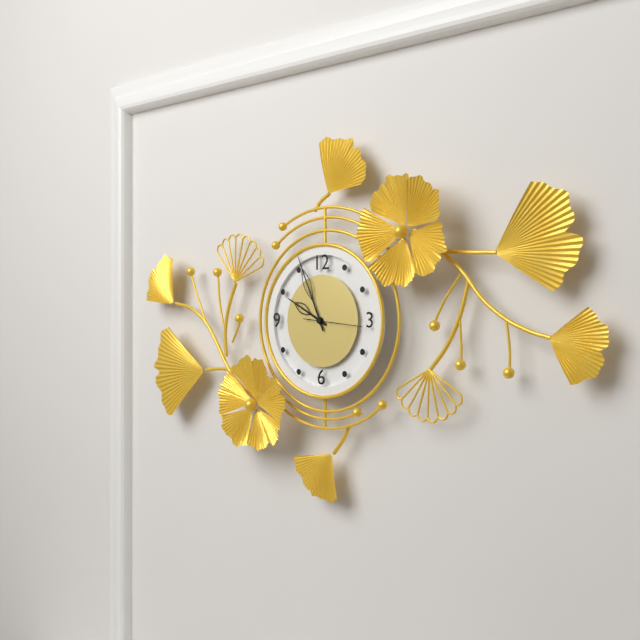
9.56.16
